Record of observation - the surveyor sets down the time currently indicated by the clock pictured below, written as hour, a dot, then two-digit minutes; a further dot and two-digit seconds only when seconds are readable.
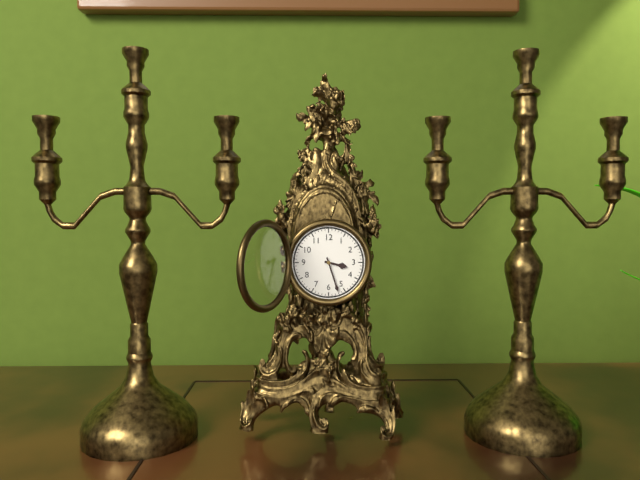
3.27
